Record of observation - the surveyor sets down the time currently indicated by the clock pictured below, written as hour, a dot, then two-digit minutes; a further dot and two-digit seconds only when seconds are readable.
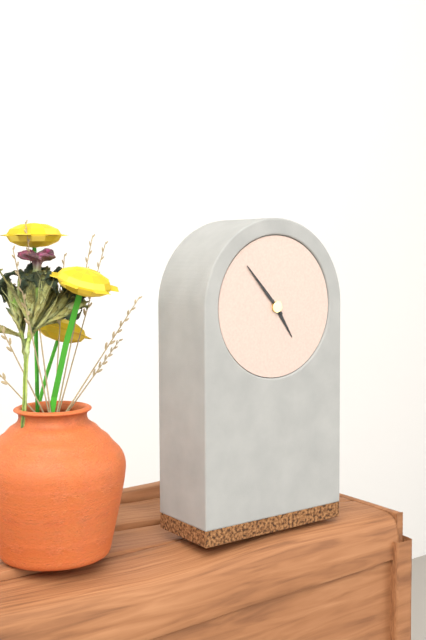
4.53
